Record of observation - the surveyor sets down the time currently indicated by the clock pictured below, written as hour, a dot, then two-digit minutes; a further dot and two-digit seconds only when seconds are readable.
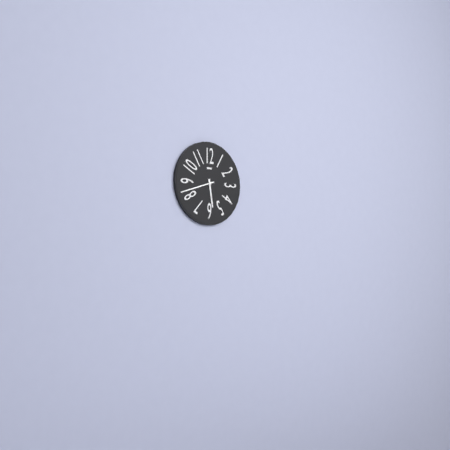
5.42
